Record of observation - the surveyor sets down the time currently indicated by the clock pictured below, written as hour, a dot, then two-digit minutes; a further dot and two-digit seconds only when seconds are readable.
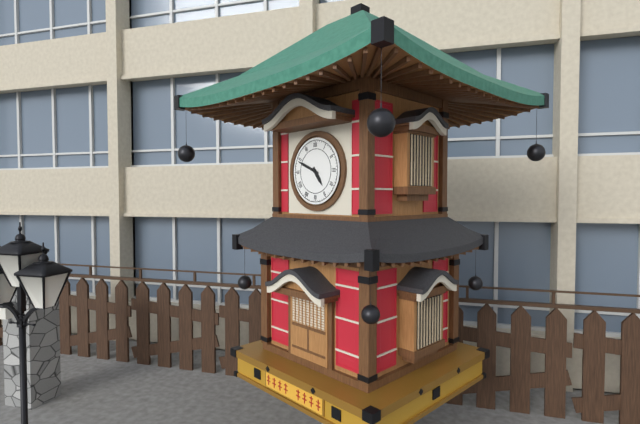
4.49
